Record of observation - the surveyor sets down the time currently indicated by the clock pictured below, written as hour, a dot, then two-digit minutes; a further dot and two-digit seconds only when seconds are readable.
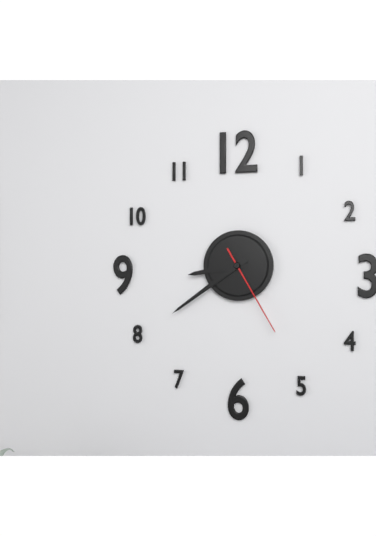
8.39.25
